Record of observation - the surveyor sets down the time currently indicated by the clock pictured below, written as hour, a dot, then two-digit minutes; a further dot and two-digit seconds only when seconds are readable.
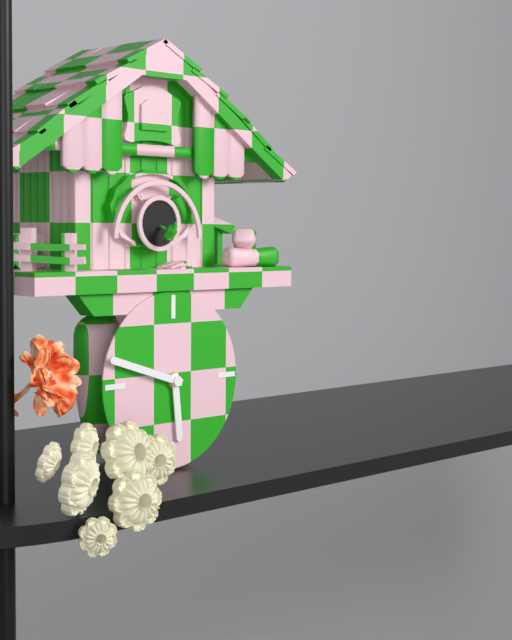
5.48
